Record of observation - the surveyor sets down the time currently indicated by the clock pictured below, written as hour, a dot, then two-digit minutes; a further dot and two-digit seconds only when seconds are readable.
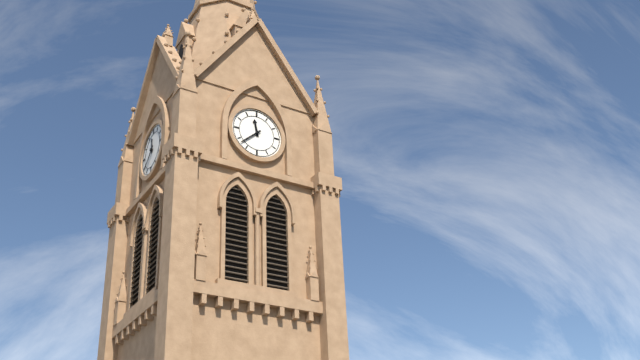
11.38
